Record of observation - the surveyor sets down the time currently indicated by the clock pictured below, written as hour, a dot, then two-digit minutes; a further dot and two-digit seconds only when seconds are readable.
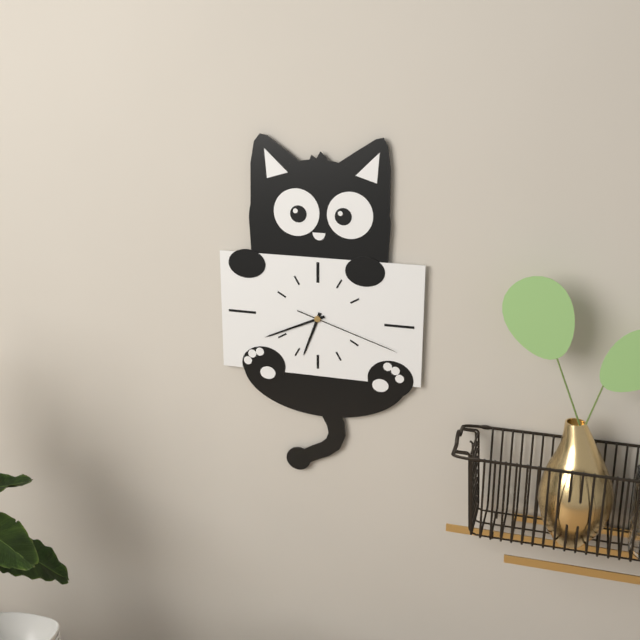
6.41.18
